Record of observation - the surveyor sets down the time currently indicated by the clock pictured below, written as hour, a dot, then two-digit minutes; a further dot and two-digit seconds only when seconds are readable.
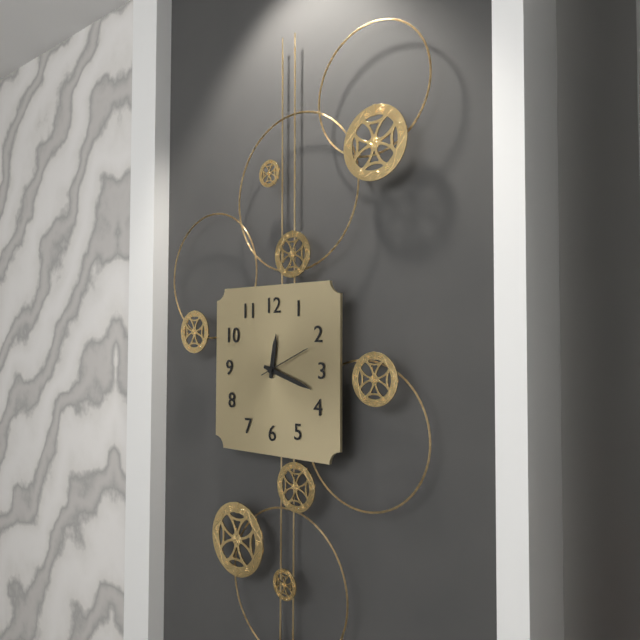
12.18.11
